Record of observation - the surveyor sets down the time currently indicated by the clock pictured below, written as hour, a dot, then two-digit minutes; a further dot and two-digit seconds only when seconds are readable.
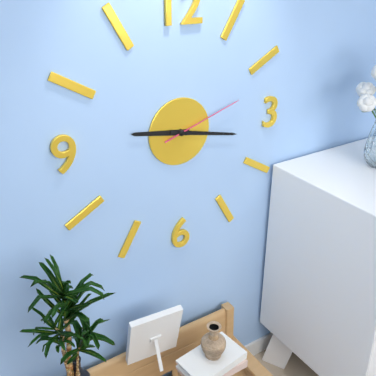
9.17.12
